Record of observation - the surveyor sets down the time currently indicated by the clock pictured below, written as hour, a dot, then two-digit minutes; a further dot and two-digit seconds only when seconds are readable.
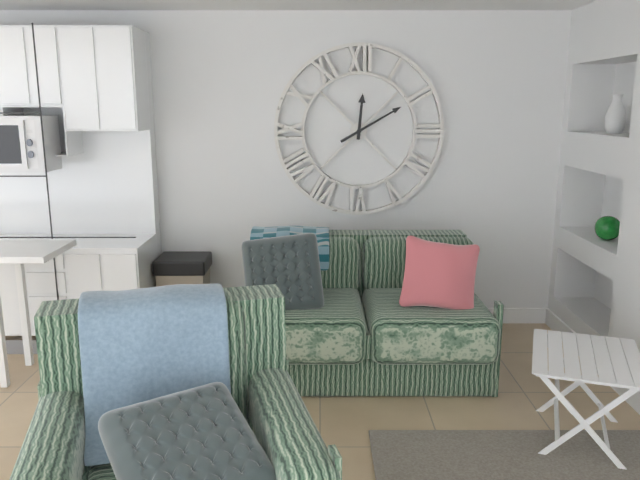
12.10
